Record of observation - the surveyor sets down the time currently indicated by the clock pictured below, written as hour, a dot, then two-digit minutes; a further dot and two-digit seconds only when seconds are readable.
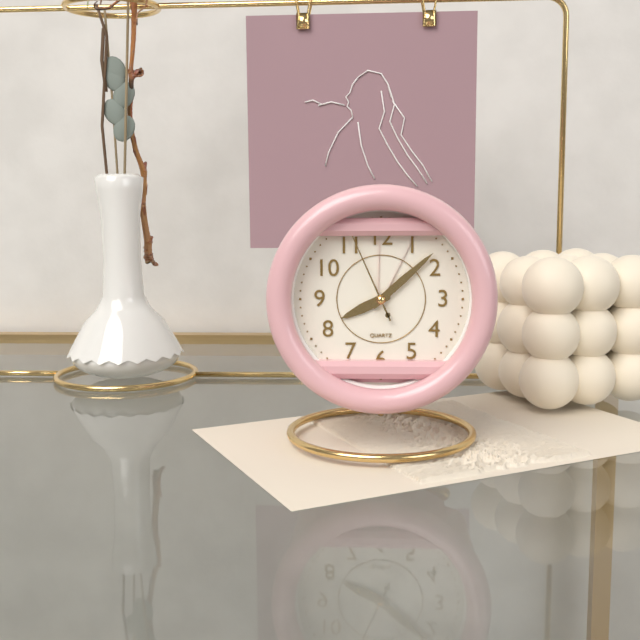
8.08.56
